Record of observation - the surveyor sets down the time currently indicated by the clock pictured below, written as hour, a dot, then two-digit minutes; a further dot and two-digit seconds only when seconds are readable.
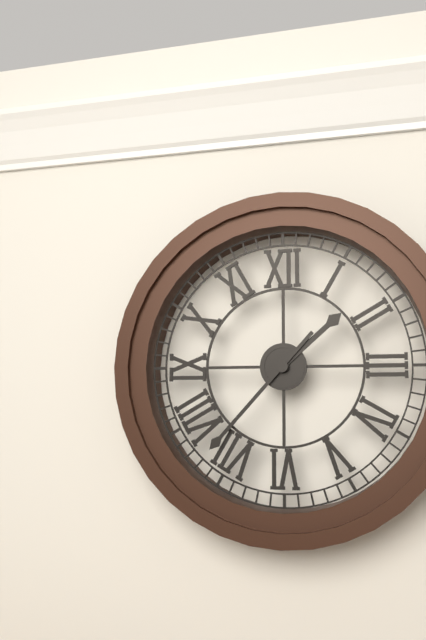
1.37
